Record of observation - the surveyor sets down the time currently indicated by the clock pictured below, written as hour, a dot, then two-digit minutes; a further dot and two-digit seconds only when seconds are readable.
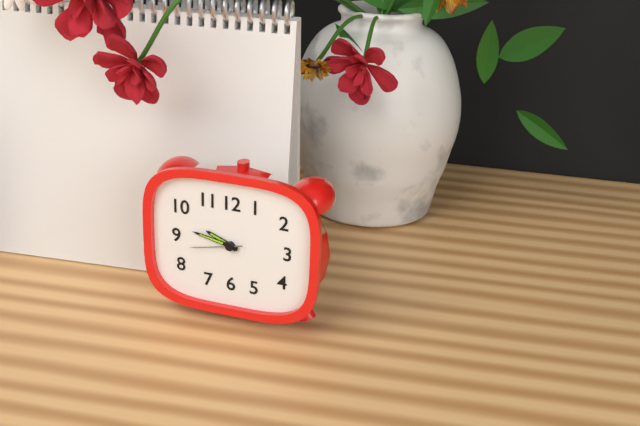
9.47.43
